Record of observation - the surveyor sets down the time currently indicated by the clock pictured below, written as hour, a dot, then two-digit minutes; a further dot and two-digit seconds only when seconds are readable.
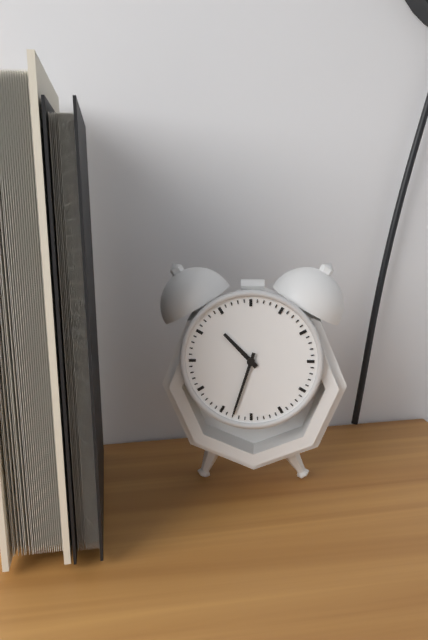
10.33
